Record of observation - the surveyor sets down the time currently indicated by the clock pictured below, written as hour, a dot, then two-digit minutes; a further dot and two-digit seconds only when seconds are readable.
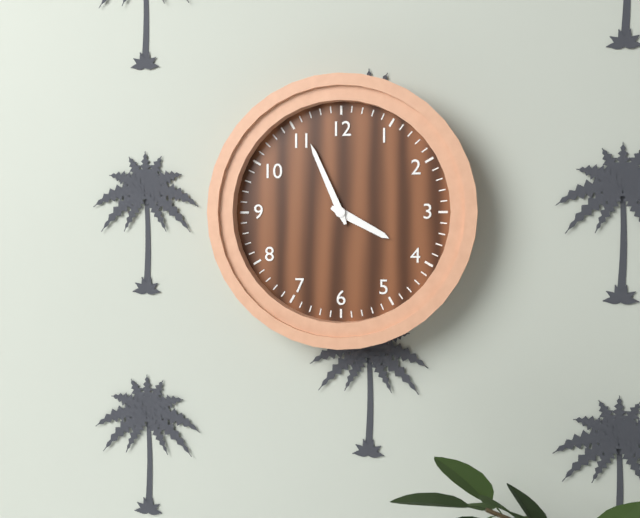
3.56
